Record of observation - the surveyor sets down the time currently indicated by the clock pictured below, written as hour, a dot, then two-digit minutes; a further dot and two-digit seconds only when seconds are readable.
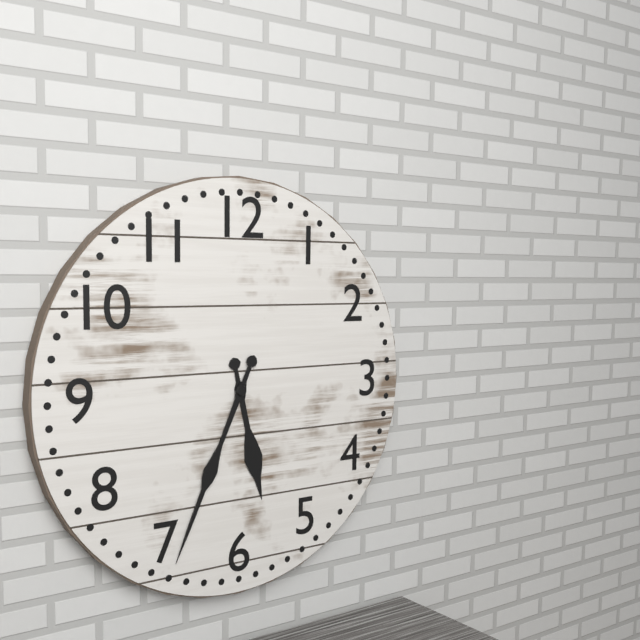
5.34
